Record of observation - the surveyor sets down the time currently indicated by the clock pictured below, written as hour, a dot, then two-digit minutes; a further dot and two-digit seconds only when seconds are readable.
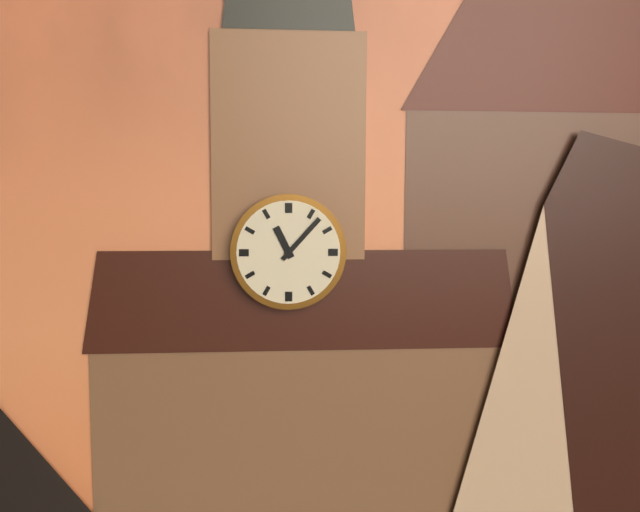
11.07
